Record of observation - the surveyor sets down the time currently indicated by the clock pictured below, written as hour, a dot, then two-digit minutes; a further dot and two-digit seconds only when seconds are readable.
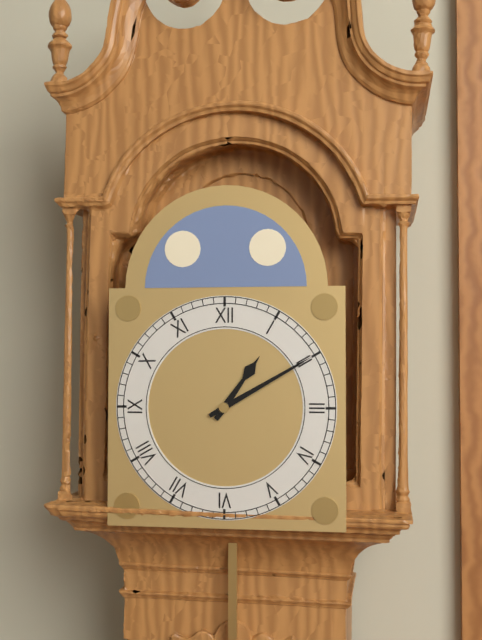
1.10
